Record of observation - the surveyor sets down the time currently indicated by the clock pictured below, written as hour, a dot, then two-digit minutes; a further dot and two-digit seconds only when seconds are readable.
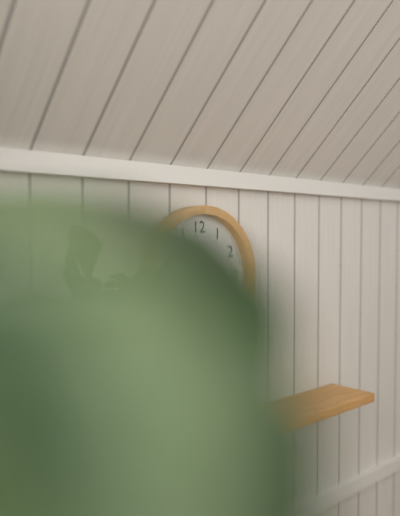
2.43
